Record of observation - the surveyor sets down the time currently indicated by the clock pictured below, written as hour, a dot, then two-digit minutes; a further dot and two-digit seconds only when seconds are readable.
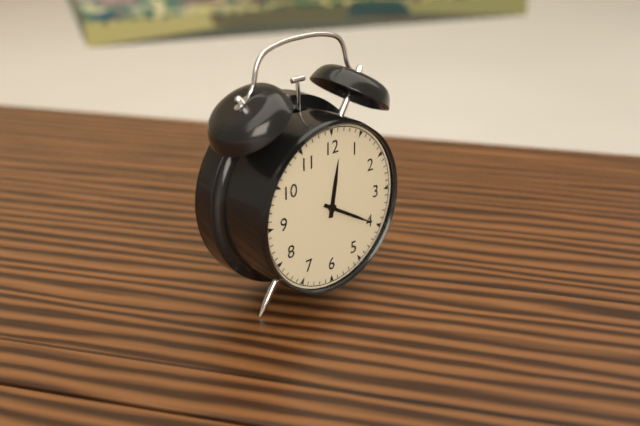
12.20
